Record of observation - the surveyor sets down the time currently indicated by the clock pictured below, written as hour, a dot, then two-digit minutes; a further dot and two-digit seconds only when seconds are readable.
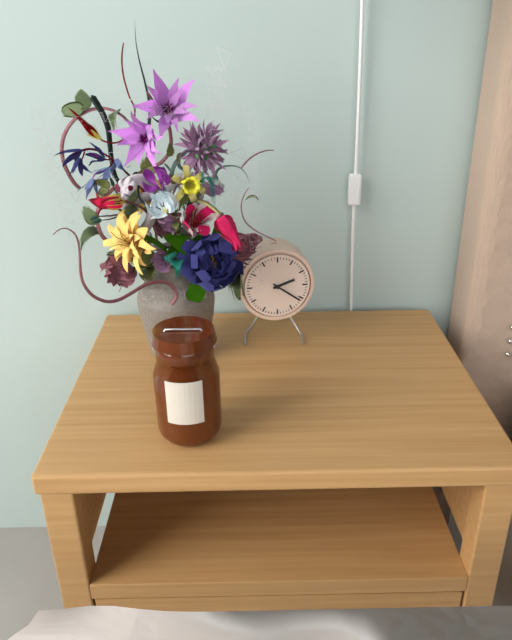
2.21
